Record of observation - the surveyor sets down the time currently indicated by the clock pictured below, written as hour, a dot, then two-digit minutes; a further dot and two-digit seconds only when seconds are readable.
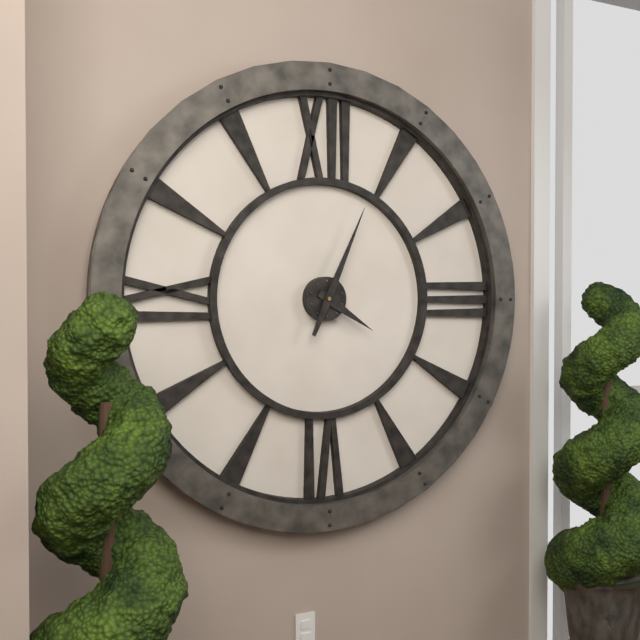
4.04
